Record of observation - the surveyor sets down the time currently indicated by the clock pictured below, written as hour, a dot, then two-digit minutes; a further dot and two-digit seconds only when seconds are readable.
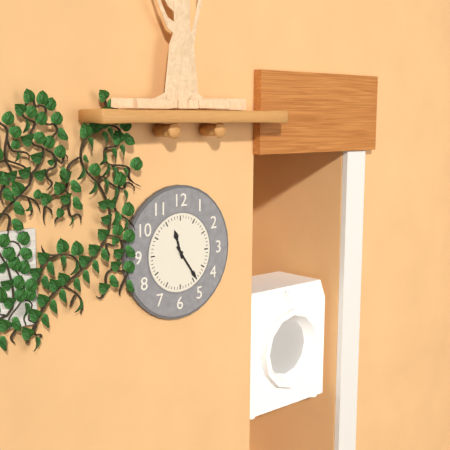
11.24
